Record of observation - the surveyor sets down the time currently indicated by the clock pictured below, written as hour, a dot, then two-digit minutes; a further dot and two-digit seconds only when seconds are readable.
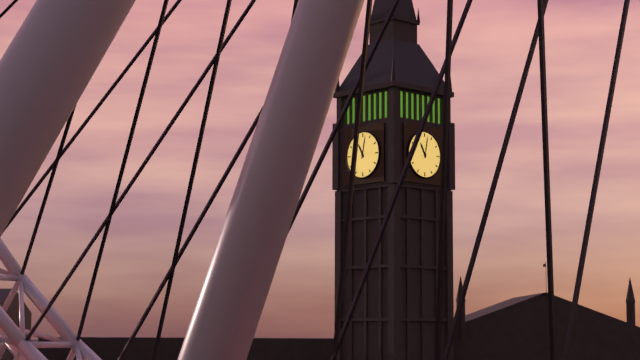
11.02
